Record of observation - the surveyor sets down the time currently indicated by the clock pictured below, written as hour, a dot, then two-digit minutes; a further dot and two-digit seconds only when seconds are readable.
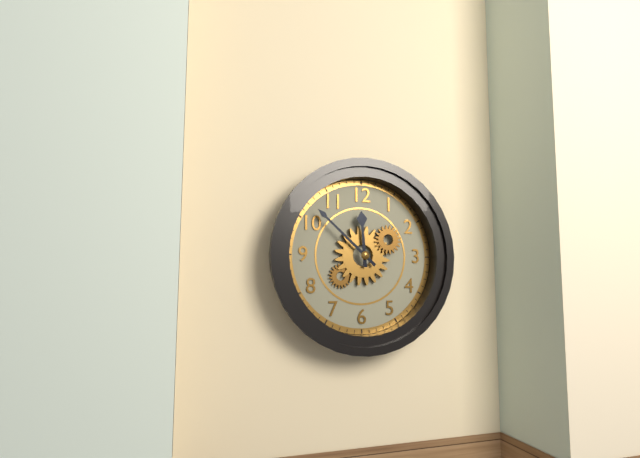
11.52
